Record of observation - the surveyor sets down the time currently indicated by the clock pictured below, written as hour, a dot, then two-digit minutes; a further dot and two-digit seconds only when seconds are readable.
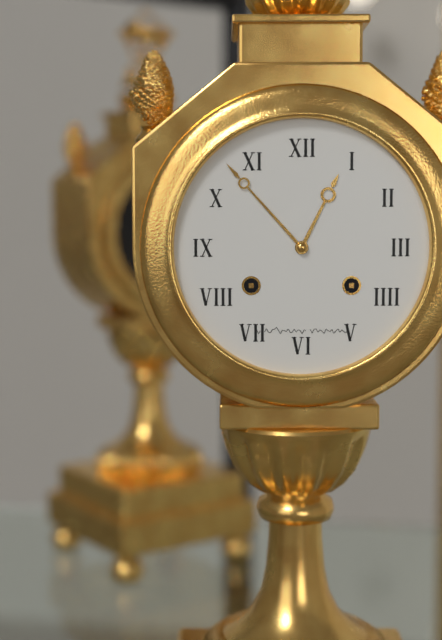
12.53
